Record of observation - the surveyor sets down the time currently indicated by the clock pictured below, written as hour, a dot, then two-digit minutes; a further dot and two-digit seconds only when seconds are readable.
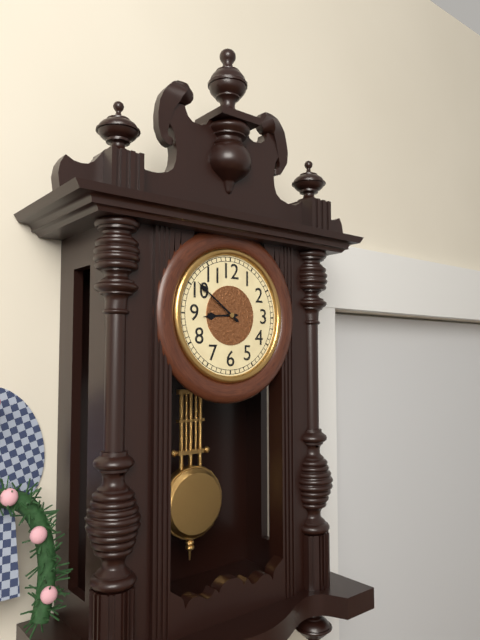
8.51
